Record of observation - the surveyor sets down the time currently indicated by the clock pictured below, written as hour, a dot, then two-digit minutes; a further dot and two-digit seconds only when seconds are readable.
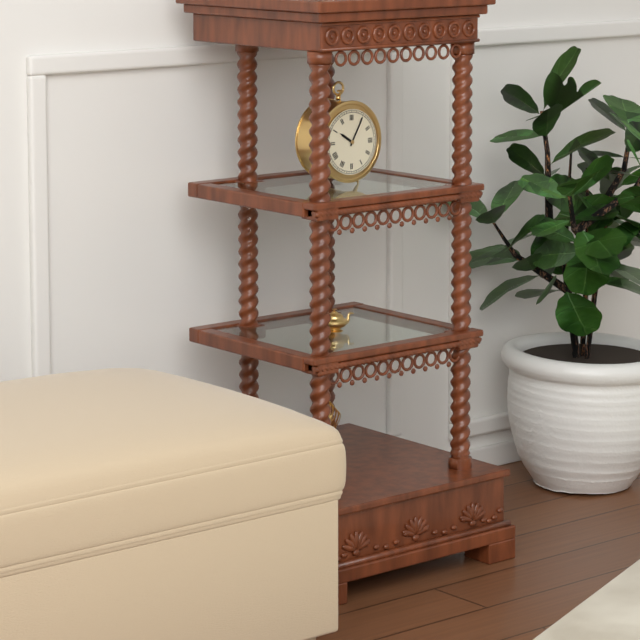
10.05
